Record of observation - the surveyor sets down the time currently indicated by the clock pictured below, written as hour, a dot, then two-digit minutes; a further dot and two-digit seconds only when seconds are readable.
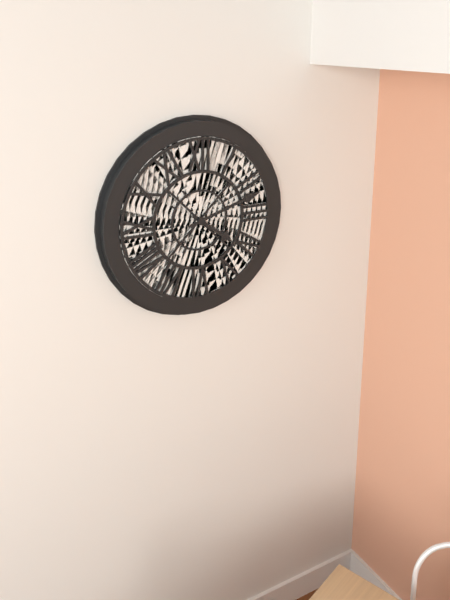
4.12
